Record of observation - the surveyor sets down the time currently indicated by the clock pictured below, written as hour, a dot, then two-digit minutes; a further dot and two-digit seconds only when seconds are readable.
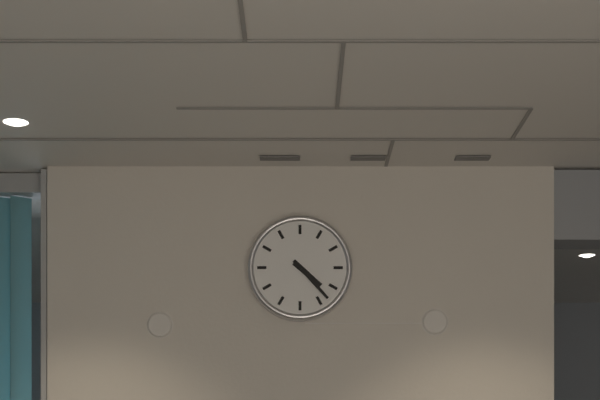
4.23
